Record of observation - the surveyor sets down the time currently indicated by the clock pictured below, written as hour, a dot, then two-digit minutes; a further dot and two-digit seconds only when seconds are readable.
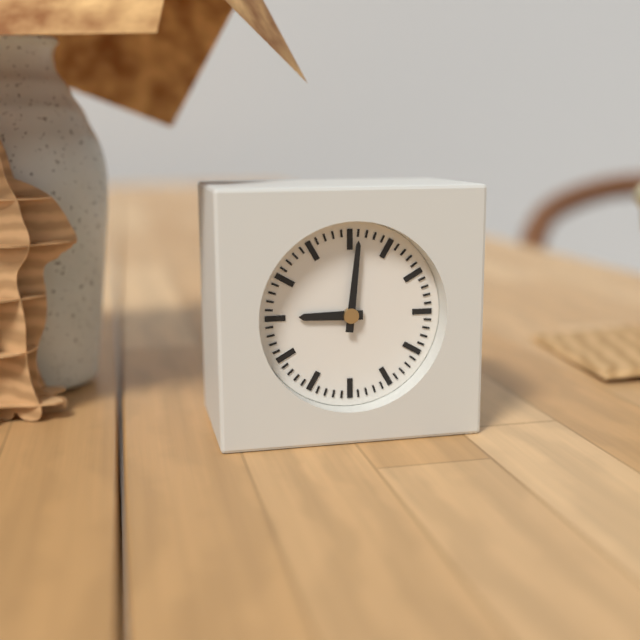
9.01
